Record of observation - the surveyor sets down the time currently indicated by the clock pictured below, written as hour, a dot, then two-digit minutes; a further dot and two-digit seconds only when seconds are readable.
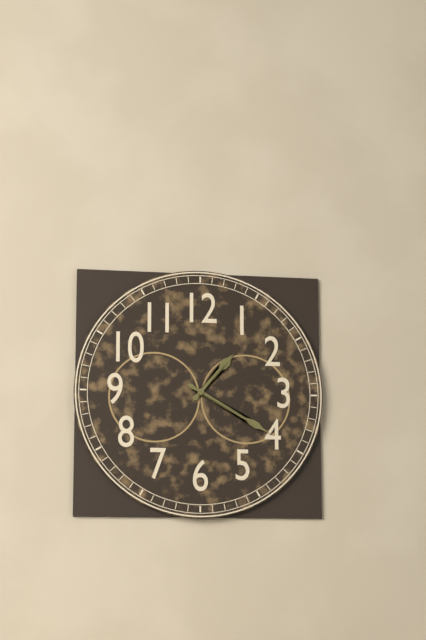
1.20
